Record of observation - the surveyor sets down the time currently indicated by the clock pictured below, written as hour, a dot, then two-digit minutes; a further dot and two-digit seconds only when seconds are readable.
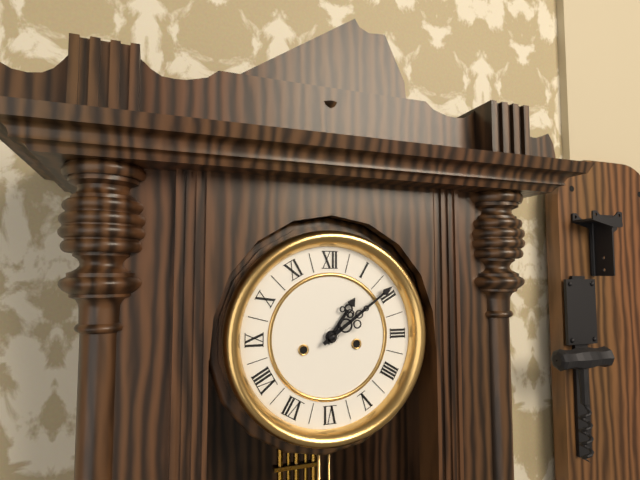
1.09
